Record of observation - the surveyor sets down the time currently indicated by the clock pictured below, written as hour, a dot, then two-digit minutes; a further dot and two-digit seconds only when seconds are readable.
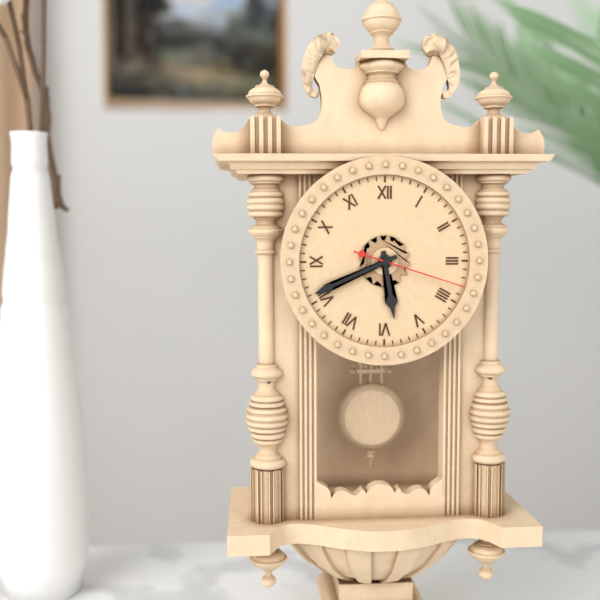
5.41.18
